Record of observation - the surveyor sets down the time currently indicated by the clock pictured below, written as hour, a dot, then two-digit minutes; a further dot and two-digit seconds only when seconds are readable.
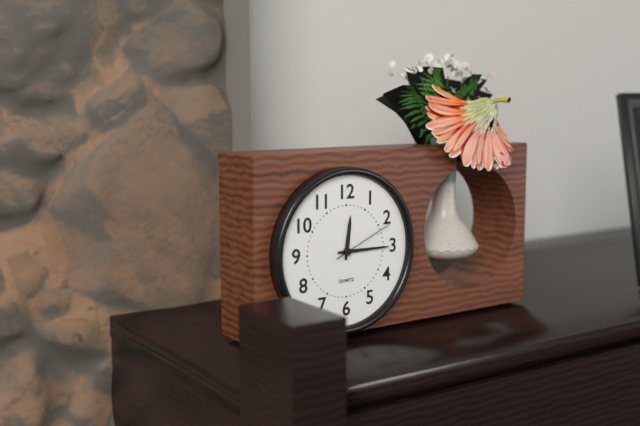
12.15.11
